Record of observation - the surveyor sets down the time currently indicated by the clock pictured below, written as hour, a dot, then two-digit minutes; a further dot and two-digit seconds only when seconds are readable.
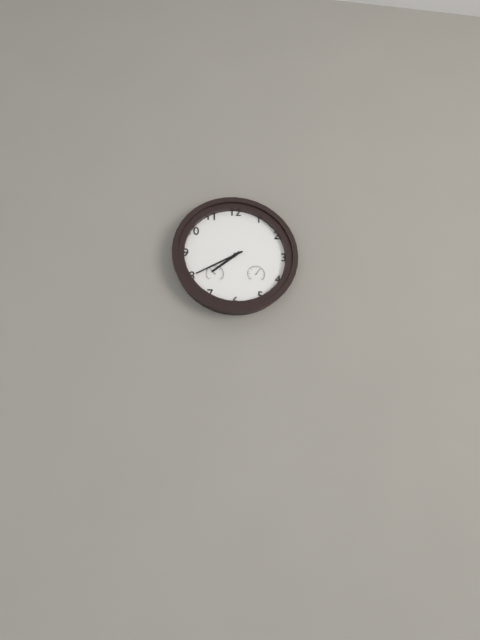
7.40
